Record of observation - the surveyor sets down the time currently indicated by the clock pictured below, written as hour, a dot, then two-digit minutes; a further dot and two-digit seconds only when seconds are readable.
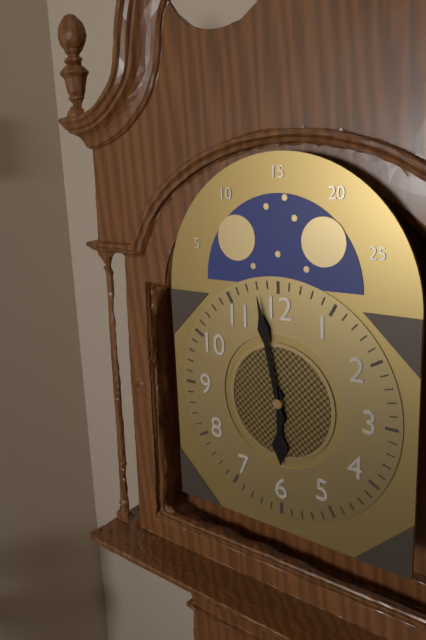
5.58
